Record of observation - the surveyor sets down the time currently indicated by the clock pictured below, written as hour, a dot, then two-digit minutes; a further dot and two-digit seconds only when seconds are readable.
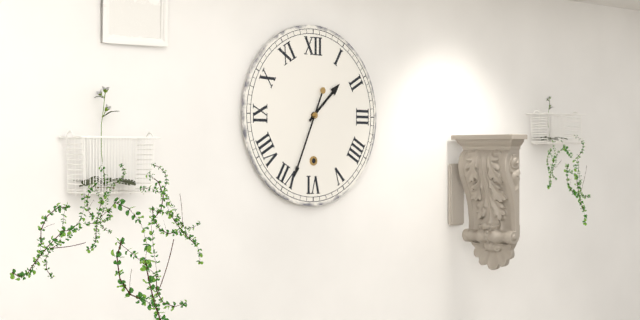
1.34
